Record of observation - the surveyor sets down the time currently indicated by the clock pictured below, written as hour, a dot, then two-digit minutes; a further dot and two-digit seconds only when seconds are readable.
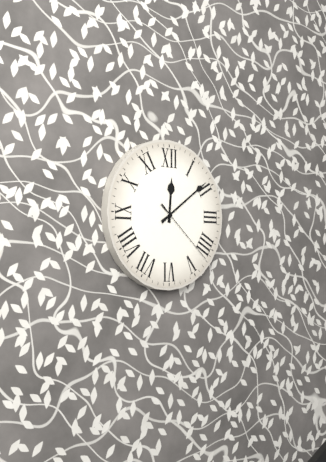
12.09.22
